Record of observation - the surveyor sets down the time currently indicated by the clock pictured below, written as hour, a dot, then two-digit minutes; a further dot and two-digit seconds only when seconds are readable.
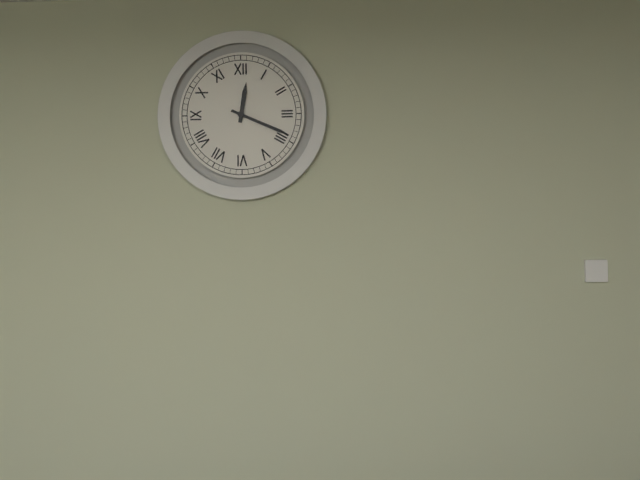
12.19
